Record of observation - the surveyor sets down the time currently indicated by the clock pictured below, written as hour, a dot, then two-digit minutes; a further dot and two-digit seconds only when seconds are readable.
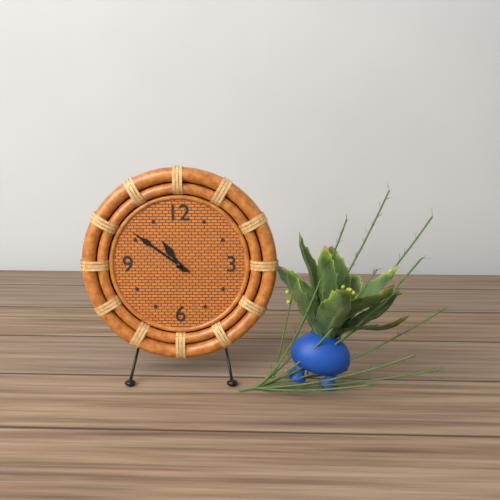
10.51
